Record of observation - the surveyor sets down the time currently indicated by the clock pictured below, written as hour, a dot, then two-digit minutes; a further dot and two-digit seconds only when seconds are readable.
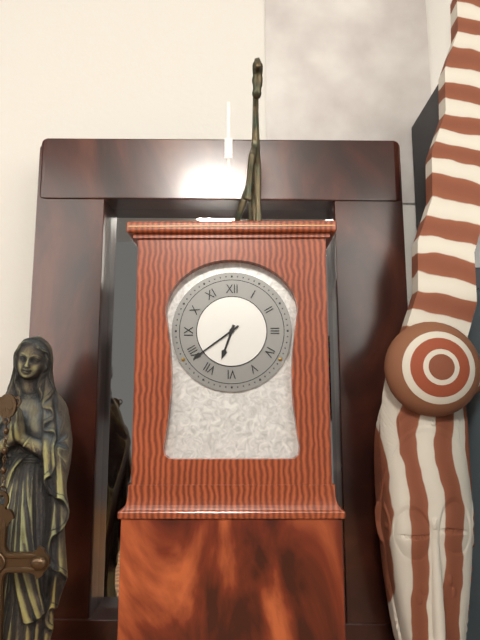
6.39
